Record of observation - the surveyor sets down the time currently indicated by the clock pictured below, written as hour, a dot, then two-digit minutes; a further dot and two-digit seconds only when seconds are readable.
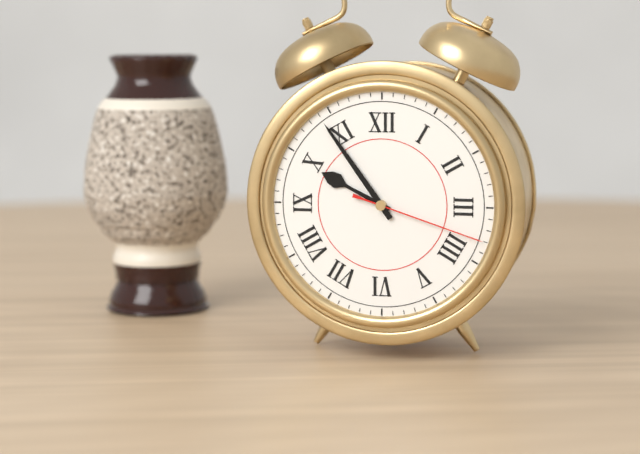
9.54.18
